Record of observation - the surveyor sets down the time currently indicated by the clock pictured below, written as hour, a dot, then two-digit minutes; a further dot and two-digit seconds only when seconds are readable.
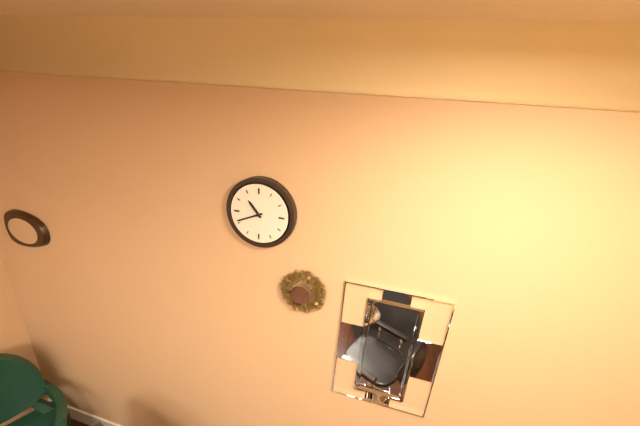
10.41
